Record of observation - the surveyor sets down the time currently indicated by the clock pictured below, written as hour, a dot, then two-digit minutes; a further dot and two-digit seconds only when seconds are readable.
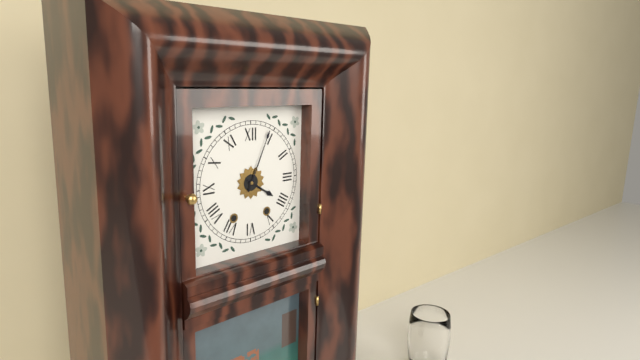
4.04
